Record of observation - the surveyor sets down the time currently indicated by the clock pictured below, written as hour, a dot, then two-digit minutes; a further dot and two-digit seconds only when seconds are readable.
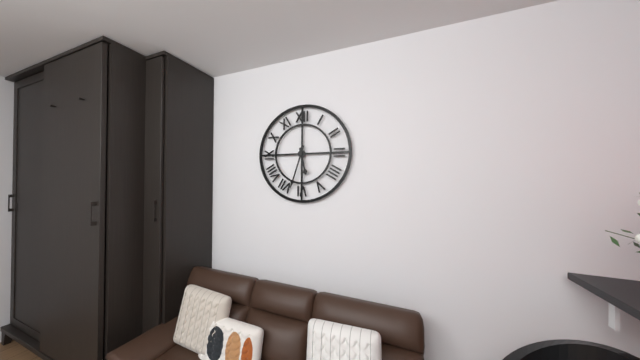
5.33
